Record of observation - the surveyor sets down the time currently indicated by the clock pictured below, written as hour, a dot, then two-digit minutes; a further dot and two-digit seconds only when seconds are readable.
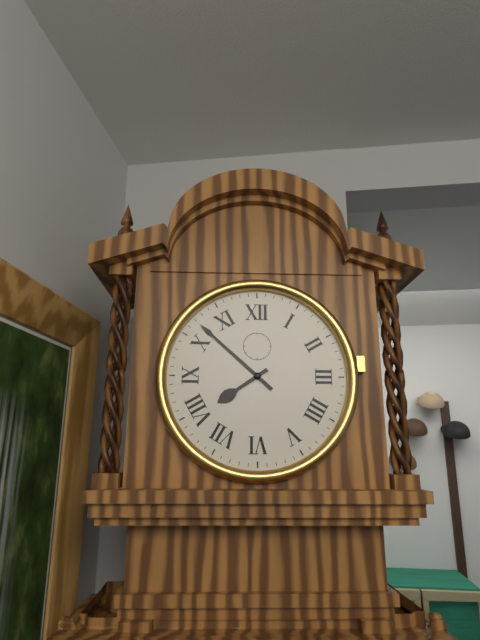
7.52
